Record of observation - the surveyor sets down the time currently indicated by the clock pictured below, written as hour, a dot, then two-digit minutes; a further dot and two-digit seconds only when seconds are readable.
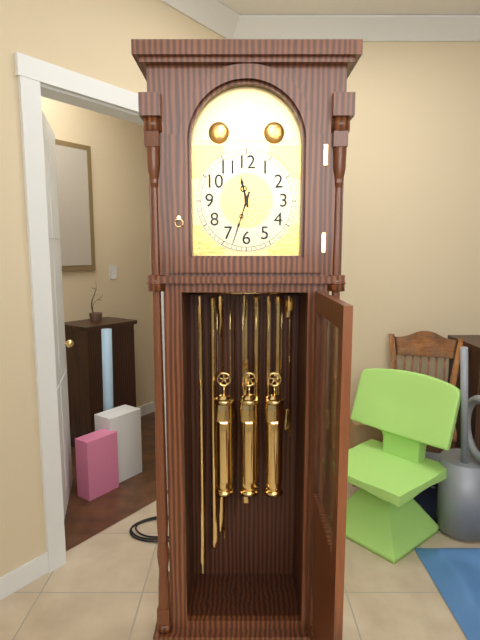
11.33
